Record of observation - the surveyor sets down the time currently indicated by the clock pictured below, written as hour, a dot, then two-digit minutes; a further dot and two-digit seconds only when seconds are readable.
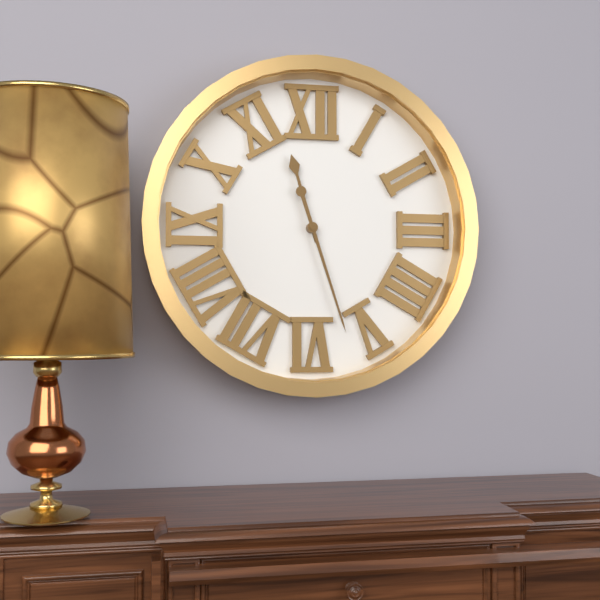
11.27
